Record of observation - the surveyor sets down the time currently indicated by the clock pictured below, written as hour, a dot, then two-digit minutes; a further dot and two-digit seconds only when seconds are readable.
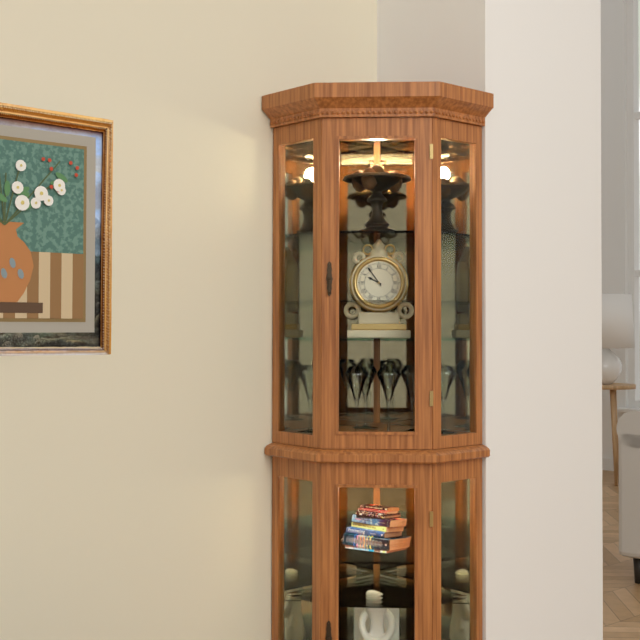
9.54
